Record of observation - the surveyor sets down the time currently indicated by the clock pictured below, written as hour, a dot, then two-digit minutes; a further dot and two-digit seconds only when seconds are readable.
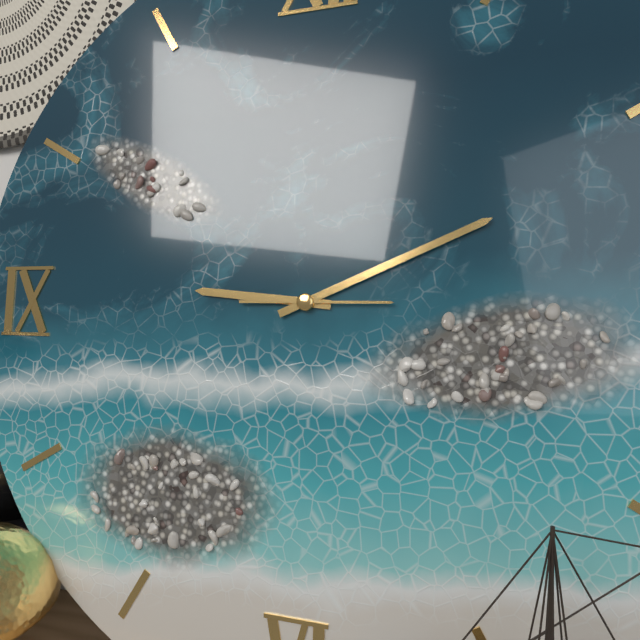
9.11.15
